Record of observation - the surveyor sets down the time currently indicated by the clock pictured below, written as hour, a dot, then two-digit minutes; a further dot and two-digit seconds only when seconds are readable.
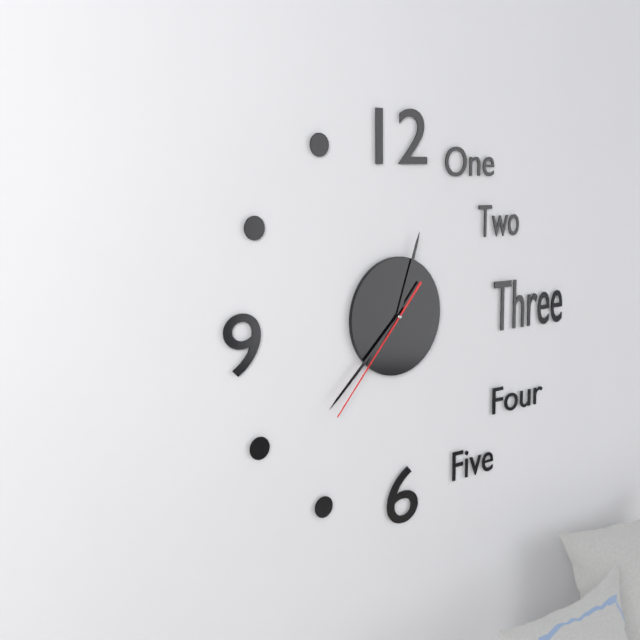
12.38.37
